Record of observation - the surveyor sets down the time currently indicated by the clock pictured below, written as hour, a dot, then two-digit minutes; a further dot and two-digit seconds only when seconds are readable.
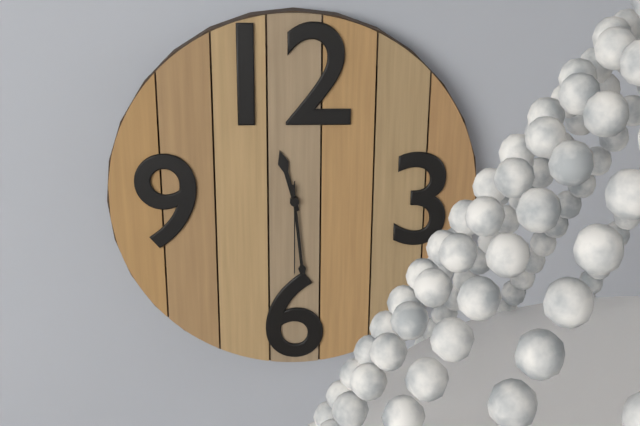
11.29.30
